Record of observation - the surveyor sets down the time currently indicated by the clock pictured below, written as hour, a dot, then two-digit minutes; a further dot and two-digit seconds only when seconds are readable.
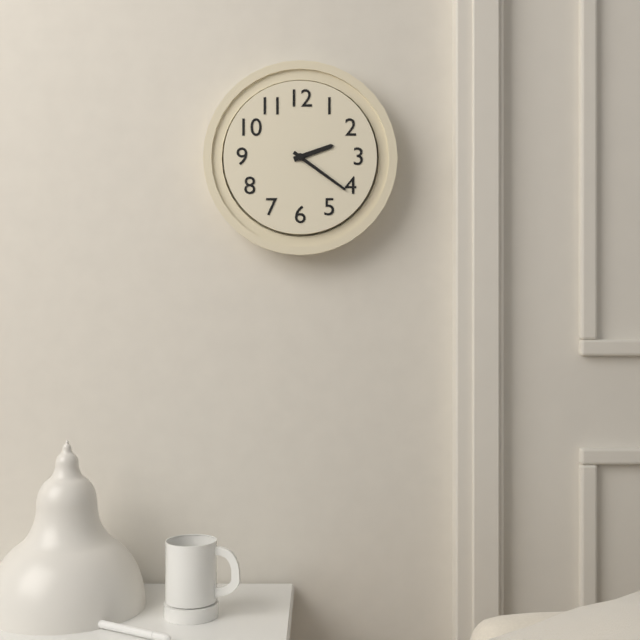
2.21
